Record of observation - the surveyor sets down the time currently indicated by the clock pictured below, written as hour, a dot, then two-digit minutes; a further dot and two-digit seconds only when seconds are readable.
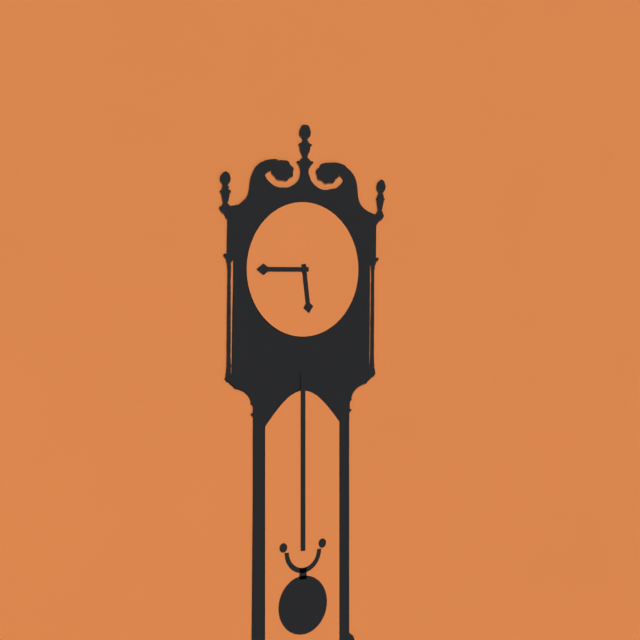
5.45
